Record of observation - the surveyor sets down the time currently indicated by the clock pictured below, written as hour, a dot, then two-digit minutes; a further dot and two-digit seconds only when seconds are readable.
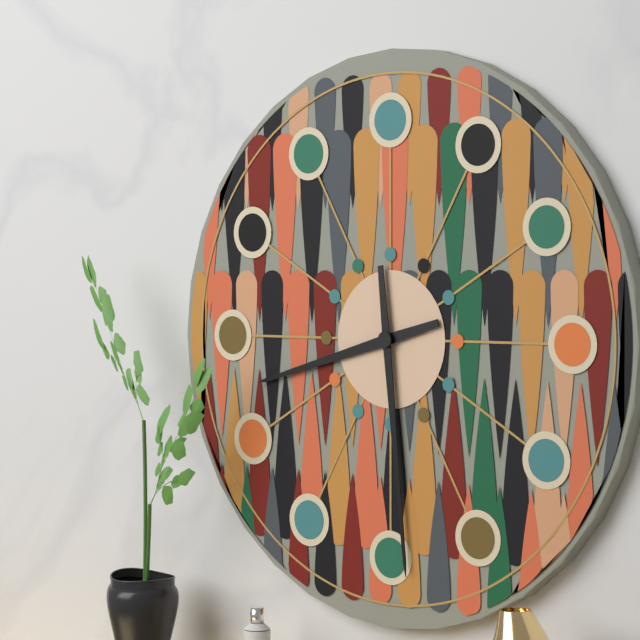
8.29
